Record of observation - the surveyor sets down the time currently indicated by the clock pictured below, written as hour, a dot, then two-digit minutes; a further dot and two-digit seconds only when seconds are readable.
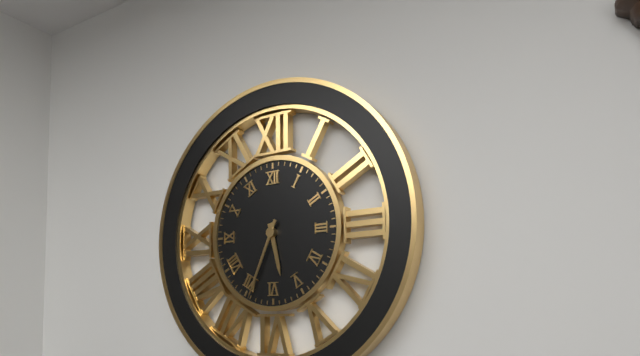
5.34
